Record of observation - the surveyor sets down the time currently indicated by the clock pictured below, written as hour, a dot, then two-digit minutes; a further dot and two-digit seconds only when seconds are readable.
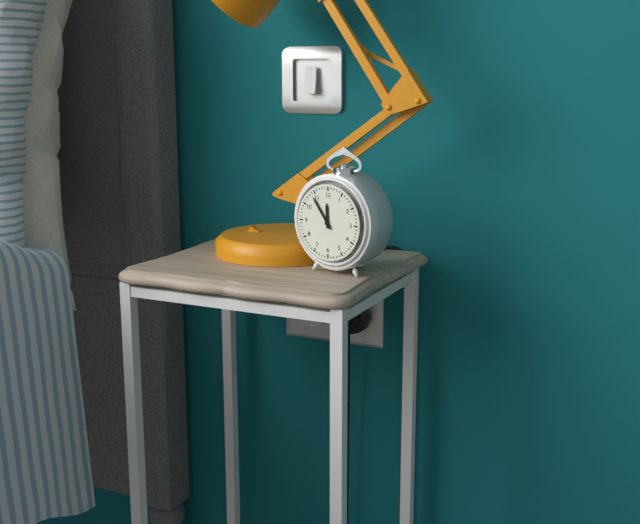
11.54
